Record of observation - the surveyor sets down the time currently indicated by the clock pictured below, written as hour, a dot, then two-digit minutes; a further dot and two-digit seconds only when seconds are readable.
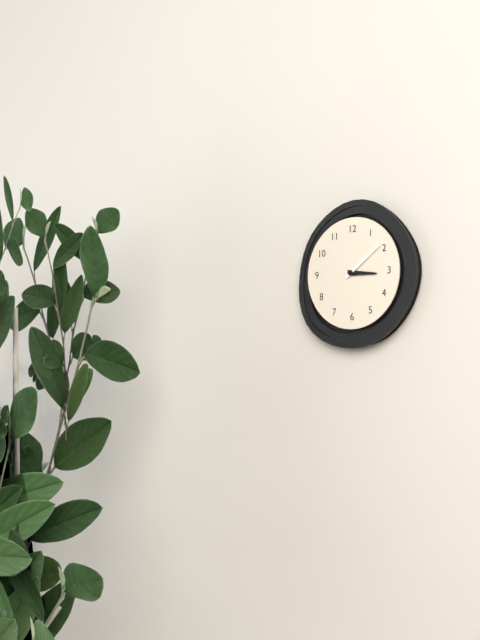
3.09
